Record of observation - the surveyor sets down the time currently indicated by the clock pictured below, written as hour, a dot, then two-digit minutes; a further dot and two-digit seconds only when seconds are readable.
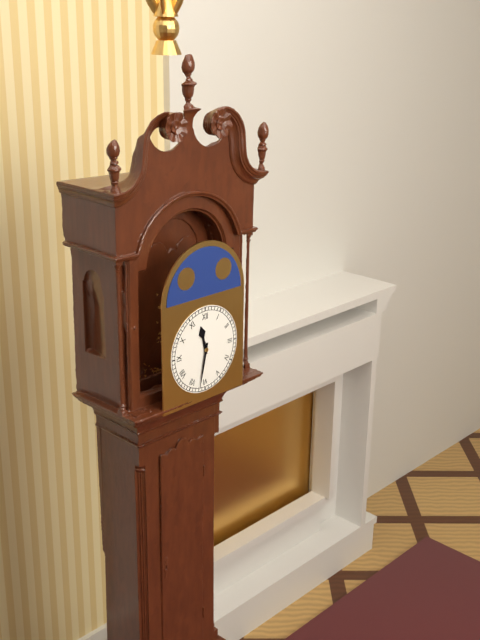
11.32
